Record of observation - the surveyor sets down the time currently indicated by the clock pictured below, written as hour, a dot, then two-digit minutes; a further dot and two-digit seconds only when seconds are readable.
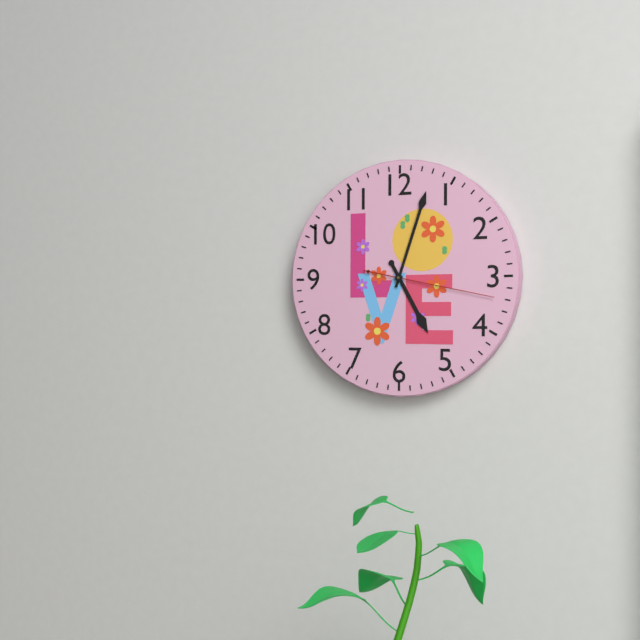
5.03.17
